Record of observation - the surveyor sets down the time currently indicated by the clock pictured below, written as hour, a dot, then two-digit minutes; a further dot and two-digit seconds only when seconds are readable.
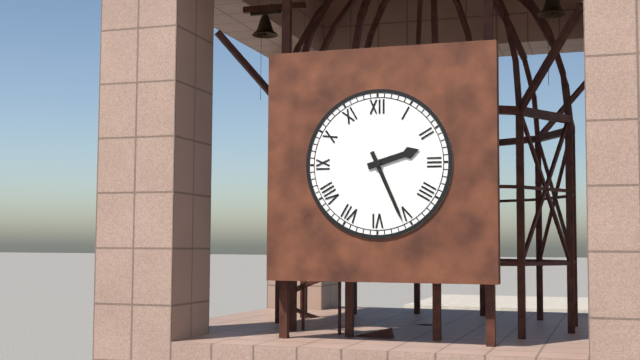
2.26
